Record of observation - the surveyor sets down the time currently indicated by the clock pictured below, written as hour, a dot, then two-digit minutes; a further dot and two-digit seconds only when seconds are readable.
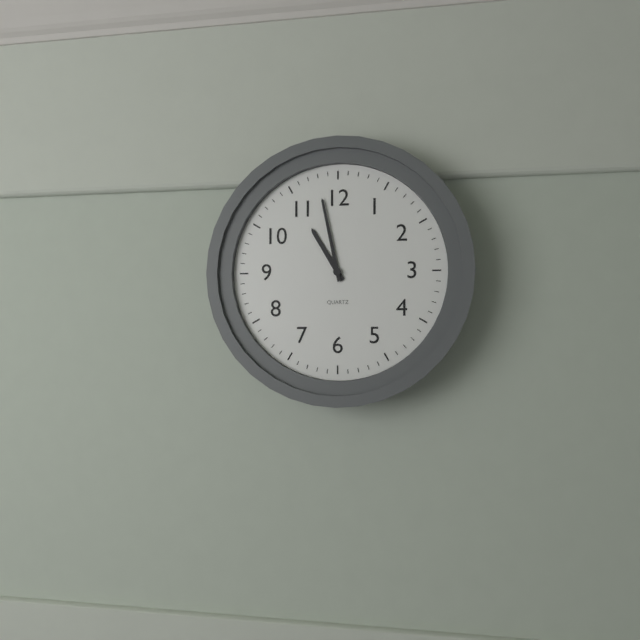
10.58
